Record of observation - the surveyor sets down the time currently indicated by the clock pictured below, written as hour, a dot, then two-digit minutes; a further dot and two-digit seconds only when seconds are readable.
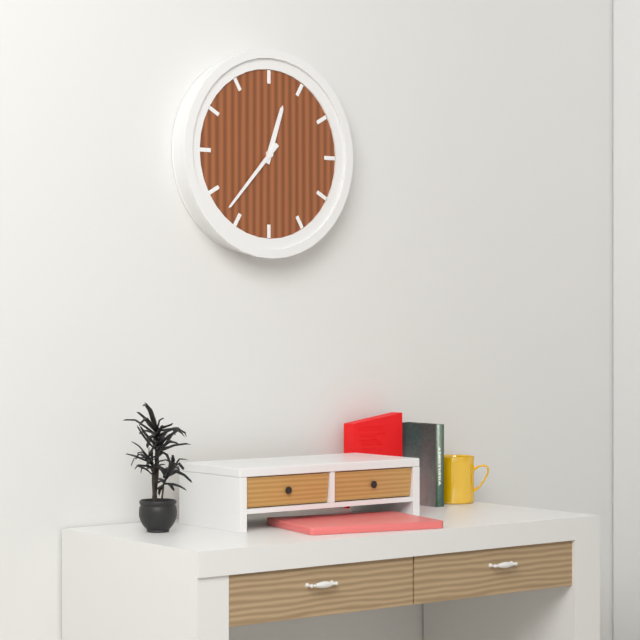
12.37
